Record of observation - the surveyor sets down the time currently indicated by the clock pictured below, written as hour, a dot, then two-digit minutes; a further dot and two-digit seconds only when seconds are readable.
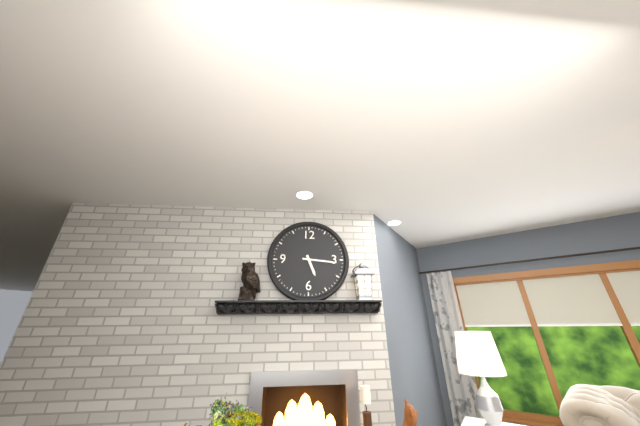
5.16
